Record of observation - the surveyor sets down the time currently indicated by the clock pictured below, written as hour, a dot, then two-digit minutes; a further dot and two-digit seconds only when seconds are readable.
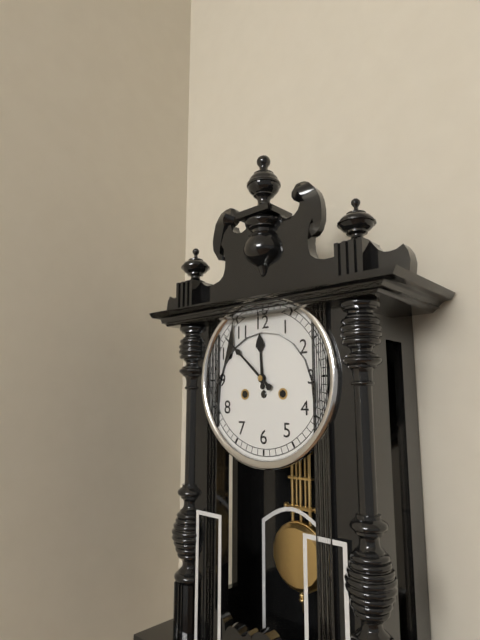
11.52
